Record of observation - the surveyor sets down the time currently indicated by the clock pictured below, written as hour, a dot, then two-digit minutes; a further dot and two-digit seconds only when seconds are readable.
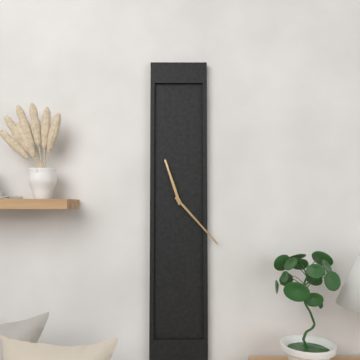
11.23
